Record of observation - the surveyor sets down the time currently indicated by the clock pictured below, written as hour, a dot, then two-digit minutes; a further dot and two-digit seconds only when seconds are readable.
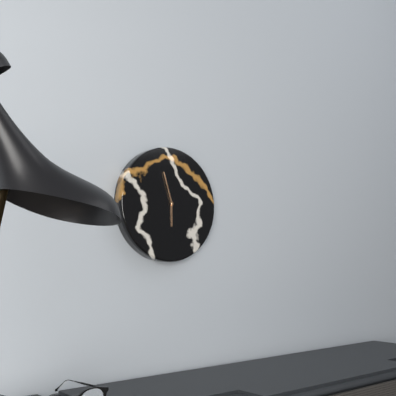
5.57
